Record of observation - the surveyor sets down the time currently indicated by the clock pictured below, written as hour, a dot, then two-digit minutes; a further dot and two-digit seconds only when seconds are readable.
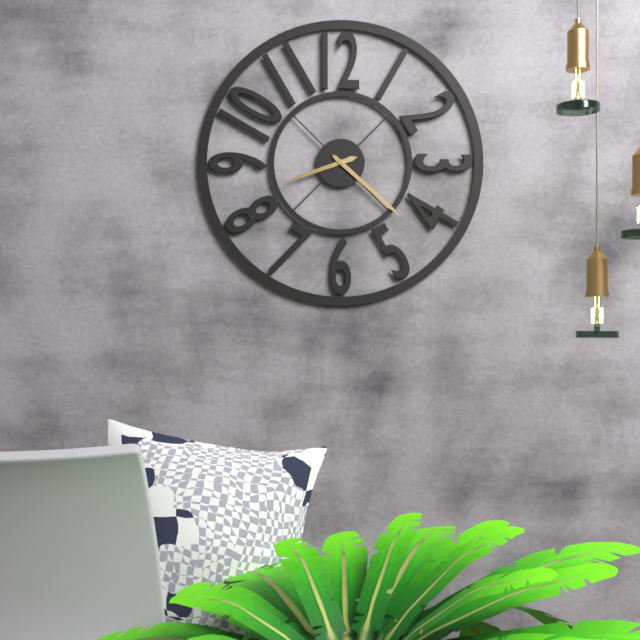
8.22
